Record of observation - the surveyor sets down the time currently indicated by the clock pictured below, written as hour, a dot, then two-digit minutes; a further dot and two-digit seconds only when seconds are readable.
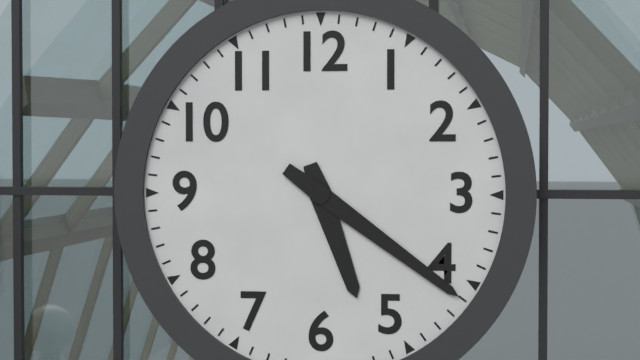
5.21
